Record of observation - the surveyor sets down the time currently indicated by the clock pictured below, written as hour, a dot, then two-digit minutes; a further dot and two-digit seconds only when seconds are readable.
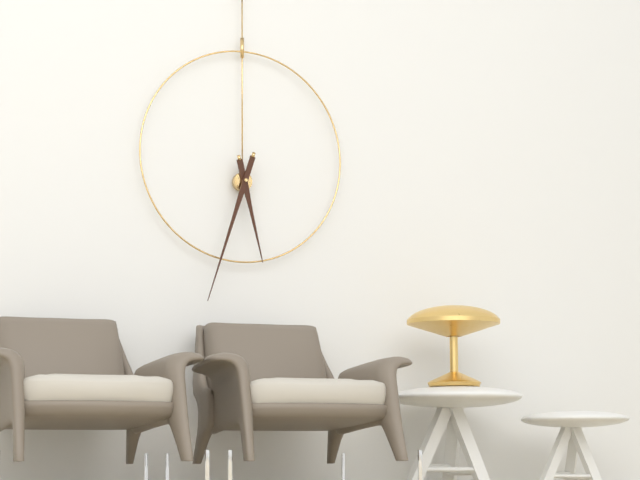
5.33
